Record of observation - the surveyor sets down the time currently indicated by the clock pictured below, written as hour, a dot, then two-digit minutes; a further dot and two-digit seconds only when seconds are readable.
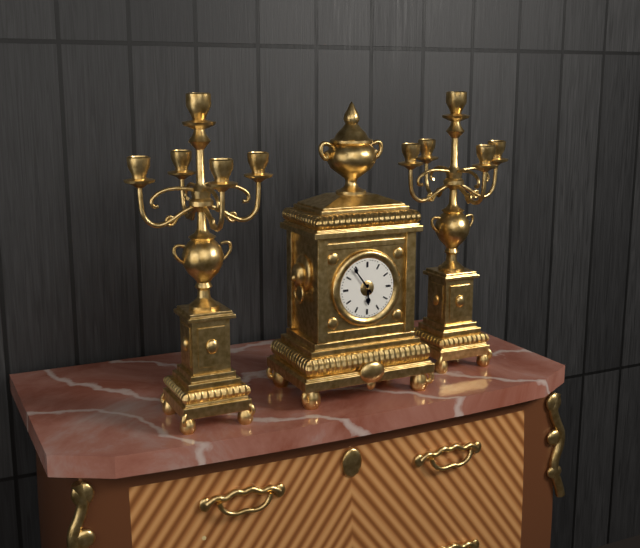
5.54
